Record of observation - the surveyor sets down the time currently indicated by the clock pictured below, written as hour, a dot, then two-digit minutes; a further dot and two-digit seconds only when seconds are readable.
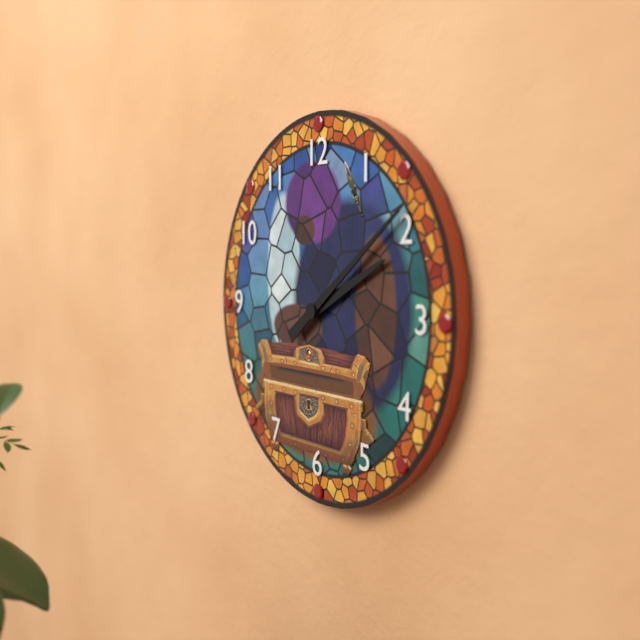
2.09
